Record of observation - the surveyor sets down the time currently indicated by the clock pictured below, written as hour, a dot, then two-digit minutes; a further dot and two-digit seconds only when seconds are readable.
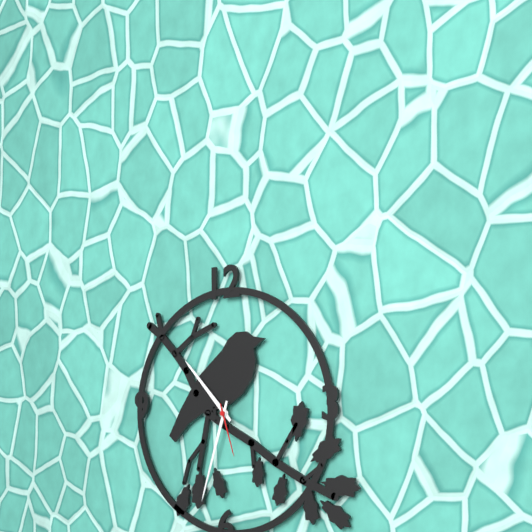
10.33.27
